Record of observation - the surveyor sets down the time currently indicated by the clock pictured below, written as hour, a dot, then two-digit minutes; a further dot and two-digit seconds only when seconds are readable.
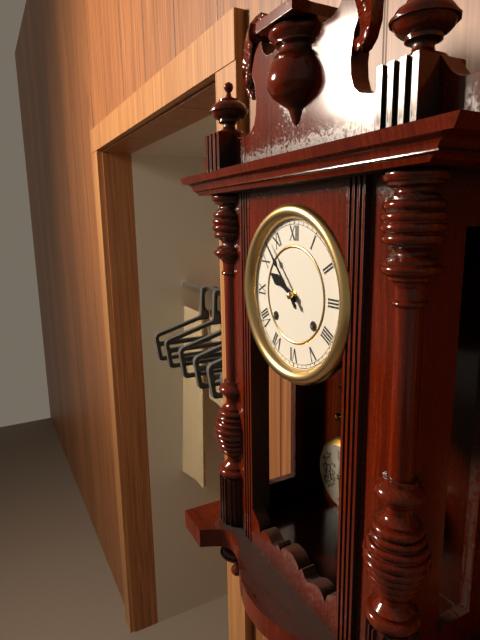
9.53
